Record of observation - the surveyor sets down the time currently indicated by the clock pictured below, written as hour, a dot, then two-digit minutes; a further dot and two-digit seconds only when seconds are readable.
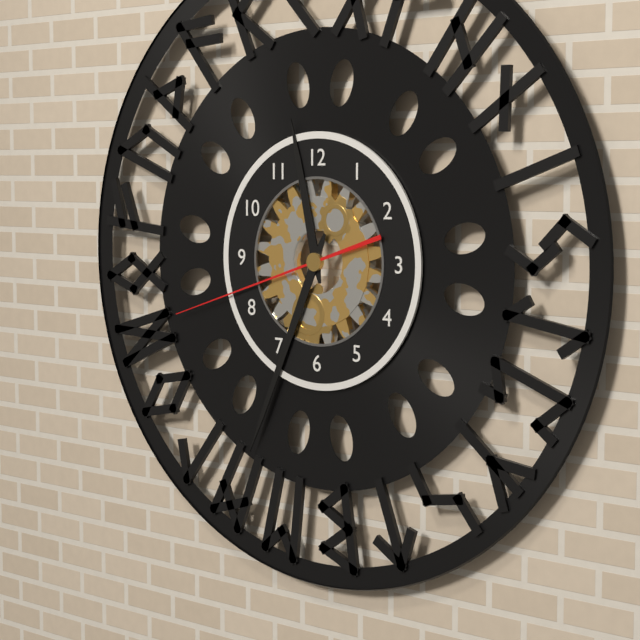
11.34.42
